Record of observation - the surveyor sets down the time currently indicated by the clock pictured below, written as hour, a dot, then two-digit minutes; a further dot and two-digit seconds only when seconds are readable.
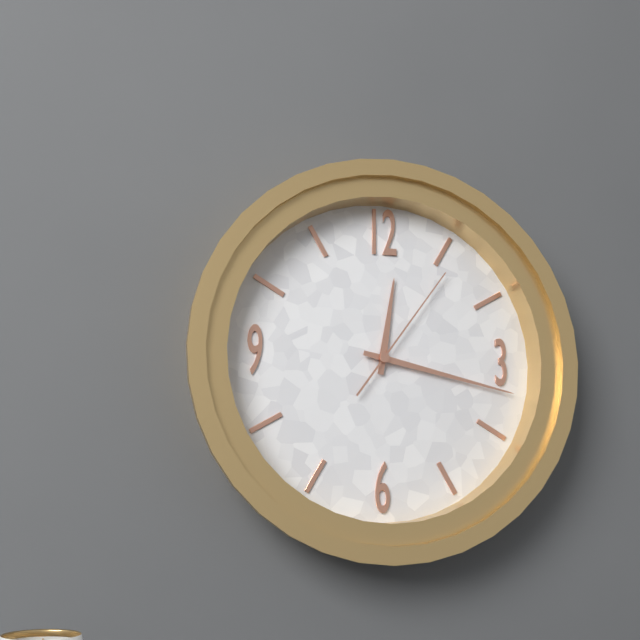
12.17.06
